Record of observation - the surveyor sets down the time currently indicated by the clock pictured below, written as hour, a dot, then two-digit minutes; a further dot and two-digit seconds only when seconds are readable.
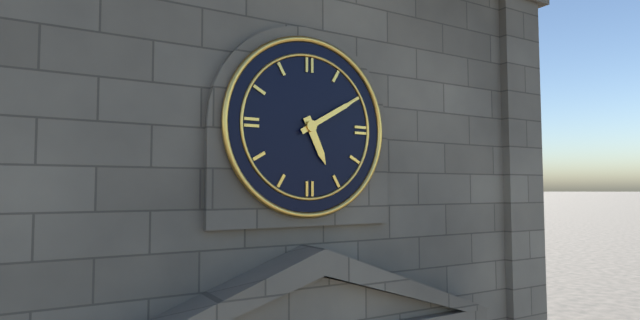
5.10
